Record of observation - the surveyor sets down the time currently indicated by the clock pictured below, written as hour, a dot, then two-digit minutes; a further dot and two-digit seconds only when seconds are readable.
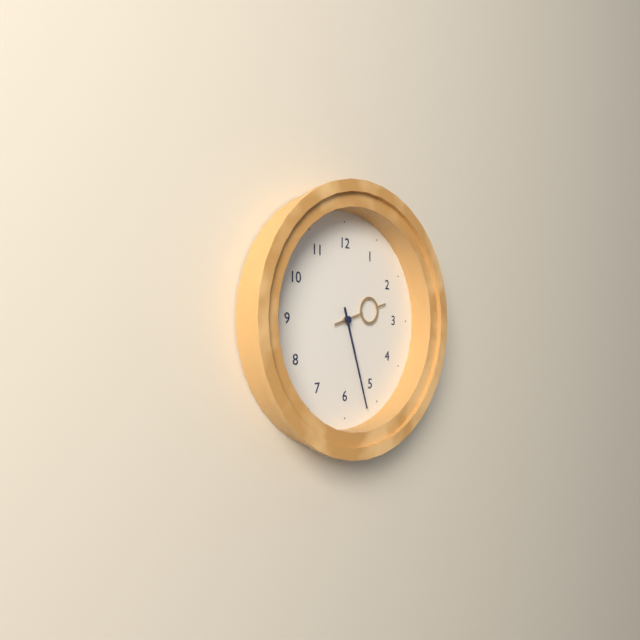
2.27
